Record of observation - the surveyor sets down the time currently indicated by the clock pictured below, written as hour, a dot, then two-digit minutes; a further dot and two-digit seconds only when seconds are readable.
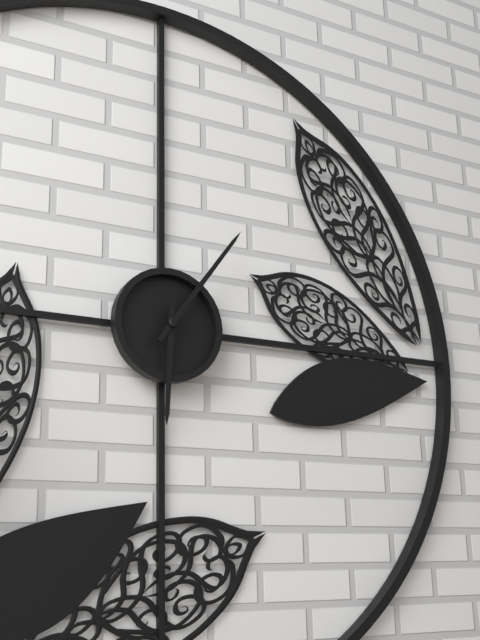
6.06
